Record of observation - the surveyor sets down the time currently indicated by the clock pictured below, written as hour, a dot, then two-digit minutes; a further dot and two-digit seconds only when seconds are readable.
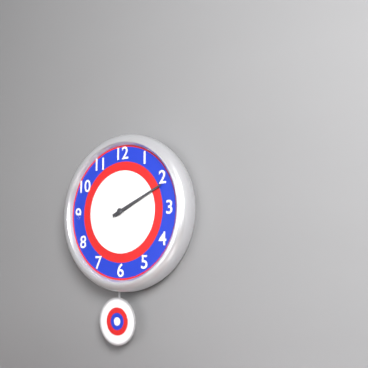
2.11
